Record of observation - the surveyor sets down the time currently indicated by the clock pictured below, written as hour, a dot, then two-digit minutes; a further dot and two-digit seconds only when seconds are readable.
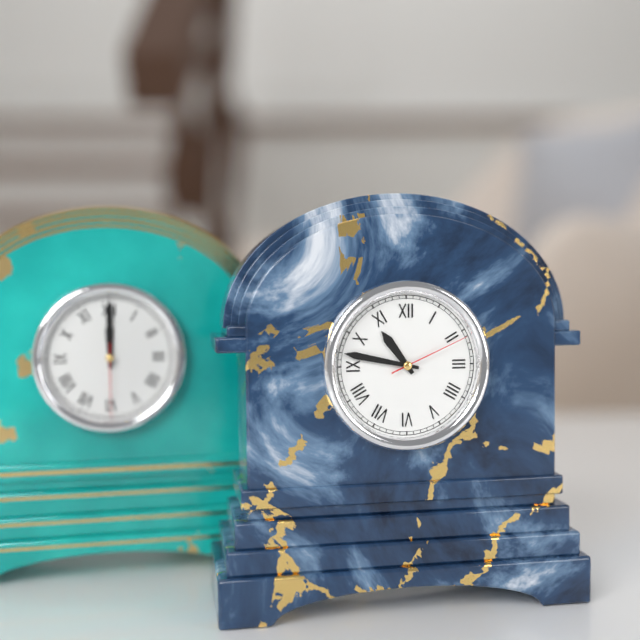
10.47.11
